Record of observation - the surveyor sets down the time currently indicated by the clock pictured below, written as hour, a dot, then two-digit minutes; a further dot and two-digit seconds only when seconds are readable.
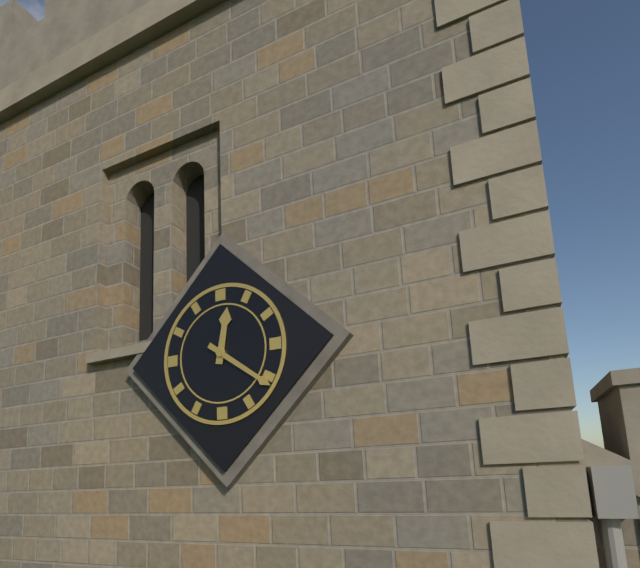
12.21
